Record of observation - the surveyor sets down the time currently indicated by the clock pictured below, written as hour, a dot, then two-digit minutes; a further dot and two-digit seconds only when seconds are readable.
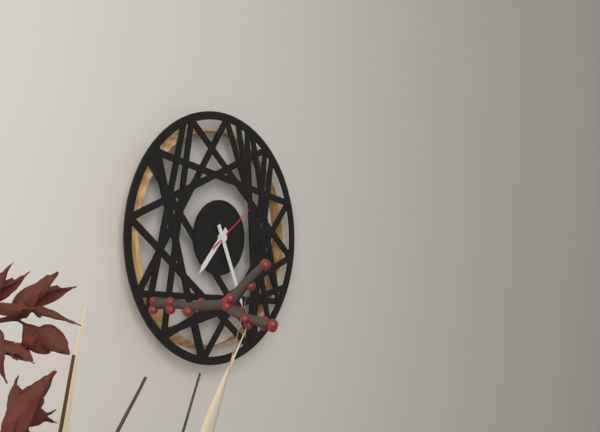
7.26
